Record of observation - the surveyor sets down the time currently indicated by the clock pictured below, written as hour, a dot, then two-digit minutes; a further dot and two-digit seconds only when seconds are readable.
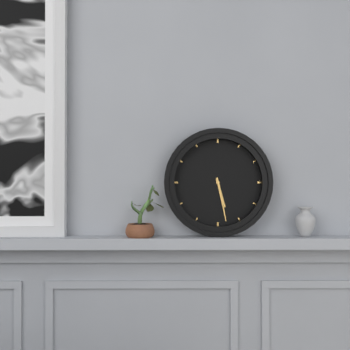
5.28
